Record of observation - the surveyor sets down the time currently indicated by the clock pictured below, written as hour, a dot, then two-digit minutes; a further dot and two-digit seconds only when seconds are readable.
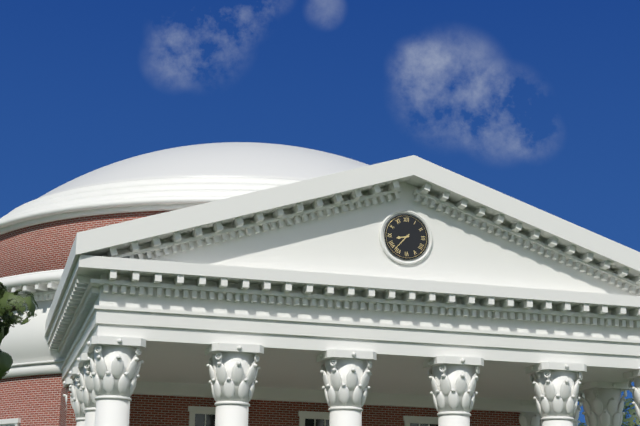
8.37
